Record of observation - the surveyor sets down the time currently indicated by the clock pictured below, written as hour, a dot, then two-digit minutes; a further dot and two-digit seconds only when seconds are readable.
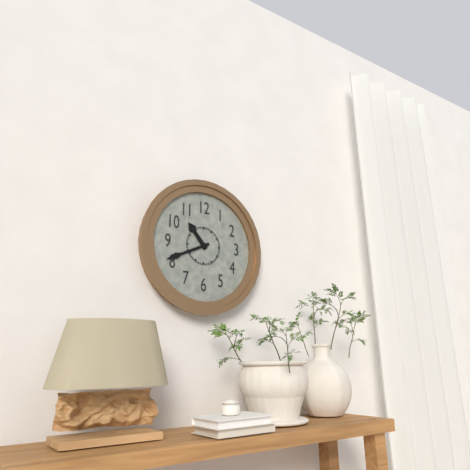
10.41
